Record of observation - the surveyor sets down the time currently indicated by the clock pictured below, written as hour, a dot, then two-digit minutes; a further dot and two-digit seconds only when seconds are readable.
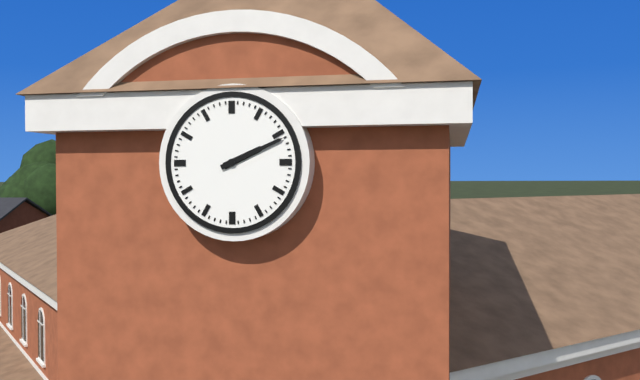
2.11
